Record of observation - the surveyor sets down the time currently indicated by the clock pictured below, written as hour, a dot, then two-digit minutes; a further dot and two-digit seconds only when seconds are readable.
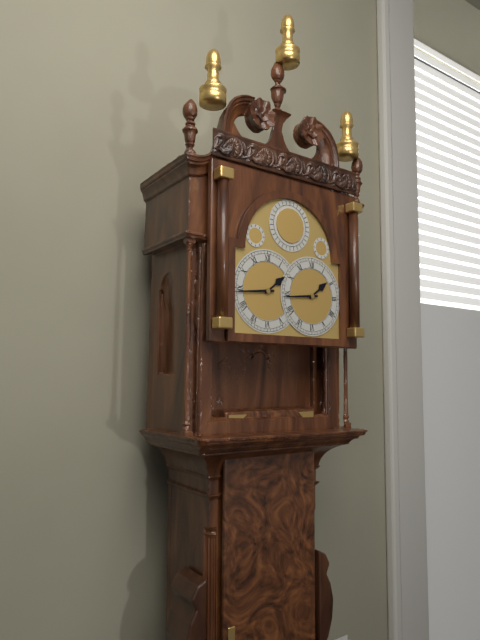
1.44
